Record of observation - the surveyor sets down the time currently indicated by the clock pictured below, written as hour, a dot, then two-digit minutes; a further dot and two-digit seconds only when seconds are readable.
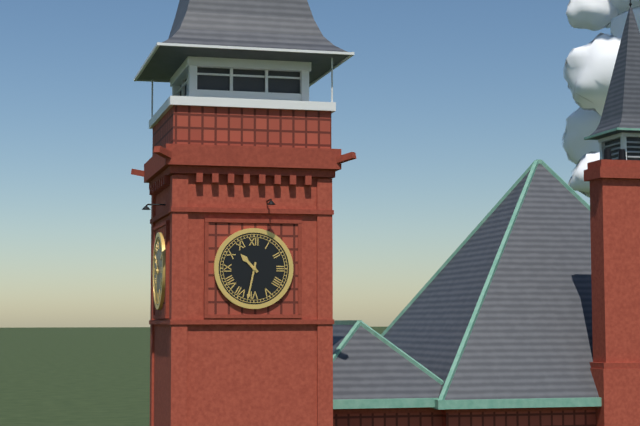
10.32
